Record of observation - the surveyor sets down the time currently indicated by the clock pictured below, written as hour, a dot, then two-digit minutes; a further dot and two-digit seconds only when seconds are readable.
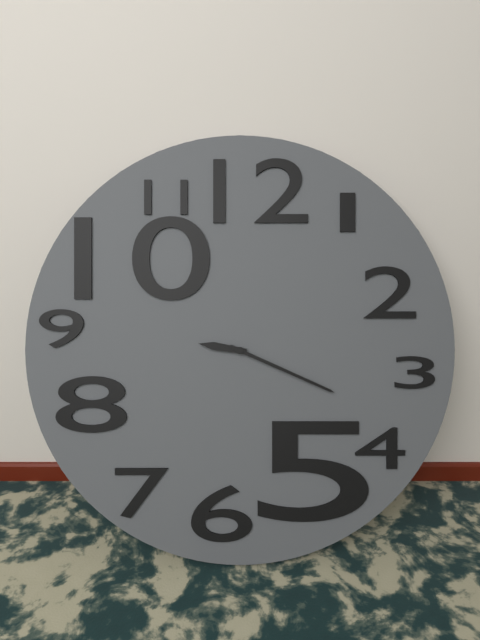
9.19
